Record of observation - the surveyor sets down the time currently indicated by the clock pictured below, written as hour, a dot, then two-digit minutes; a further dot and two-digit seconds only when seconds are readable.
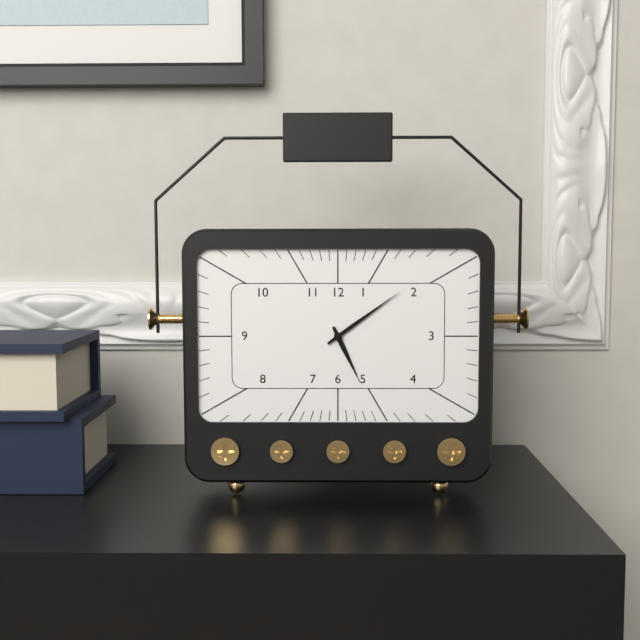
5.09
